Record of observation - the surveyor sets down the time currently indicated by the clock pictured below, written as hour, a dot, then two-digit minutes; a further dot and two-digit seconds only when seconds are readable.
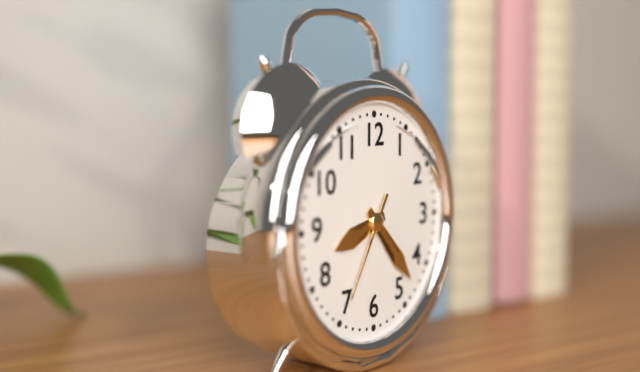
8.23.35
